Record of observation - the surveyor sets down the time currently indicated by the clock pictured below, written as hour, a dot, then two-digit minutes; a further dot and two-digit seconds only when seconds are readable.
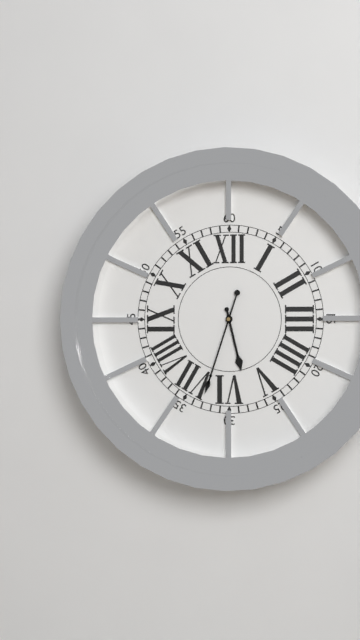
5.33
